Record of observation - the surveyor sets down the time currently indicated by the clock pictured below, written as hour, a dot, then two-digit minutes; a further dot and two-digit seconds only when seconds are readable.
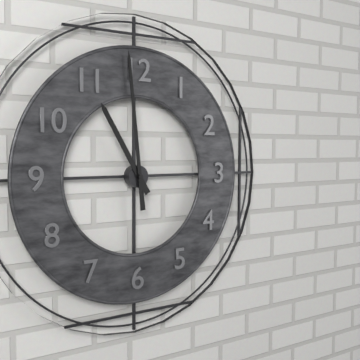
10.59
